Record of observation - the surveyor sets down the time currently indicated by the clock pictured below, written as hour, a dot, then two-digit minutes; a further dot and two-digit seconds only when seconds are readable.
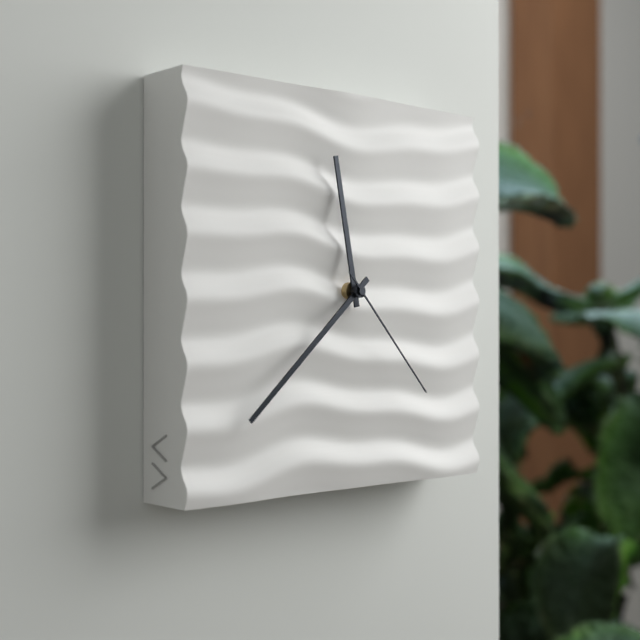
11.38.23
